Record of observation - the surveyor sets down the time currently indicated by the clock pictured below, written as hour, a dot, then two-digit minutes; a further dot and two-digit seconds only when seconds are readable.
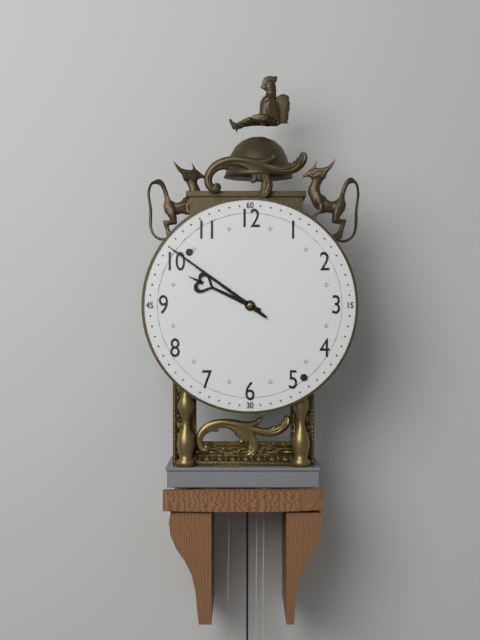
9.51
